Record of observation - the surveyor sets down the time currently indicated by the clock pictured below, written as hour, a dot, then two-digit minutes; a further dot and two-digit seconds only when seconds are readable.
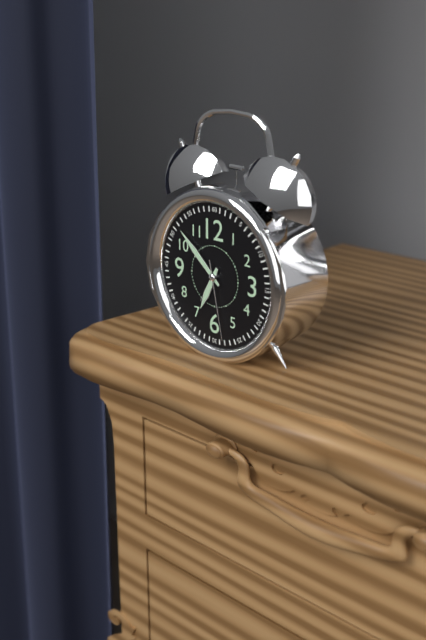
6.52.28
